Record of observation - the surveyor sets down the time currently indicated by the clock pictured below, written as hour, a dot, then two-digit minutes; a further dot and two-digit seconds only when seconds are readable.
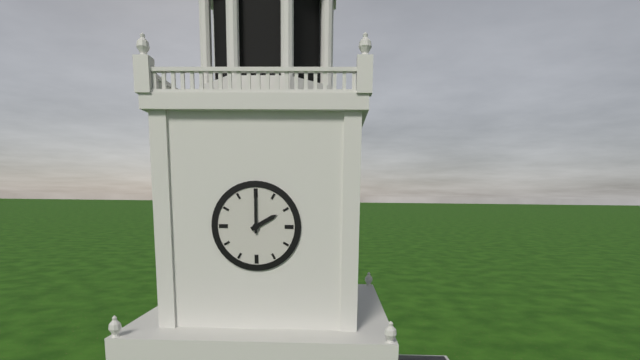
2.00
